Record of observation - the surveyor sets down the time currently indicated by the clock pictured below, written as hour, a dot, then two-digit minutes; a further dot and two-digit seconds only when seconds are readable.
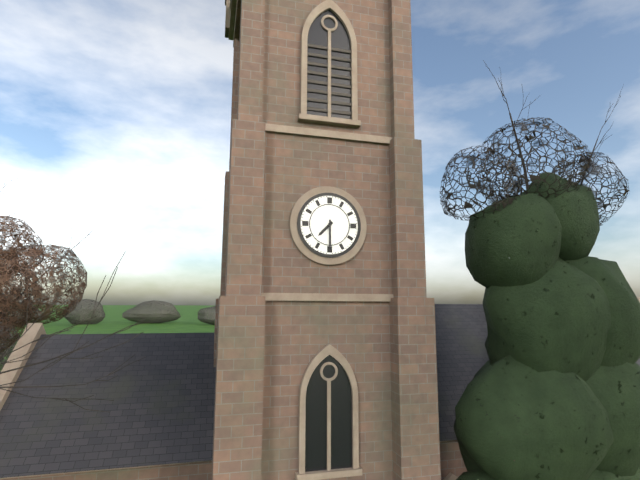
7.30
